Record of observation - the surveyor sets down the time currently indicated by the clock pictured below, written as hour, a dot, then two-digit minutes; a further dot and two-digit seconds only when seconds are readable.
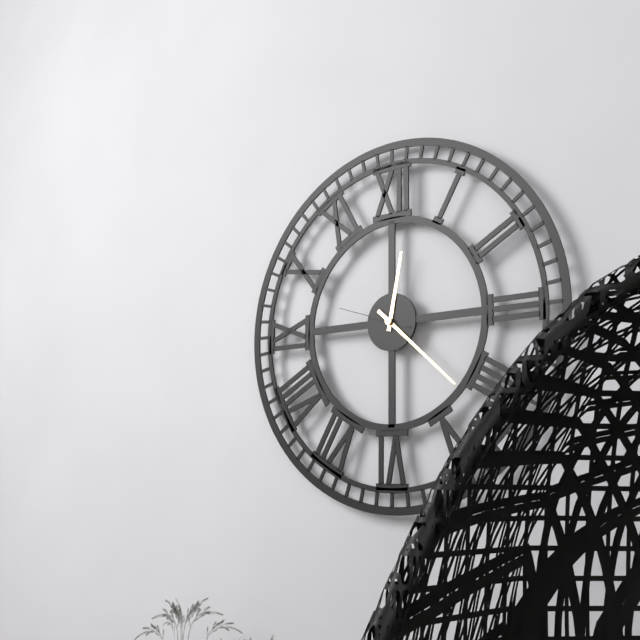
12.22.48
